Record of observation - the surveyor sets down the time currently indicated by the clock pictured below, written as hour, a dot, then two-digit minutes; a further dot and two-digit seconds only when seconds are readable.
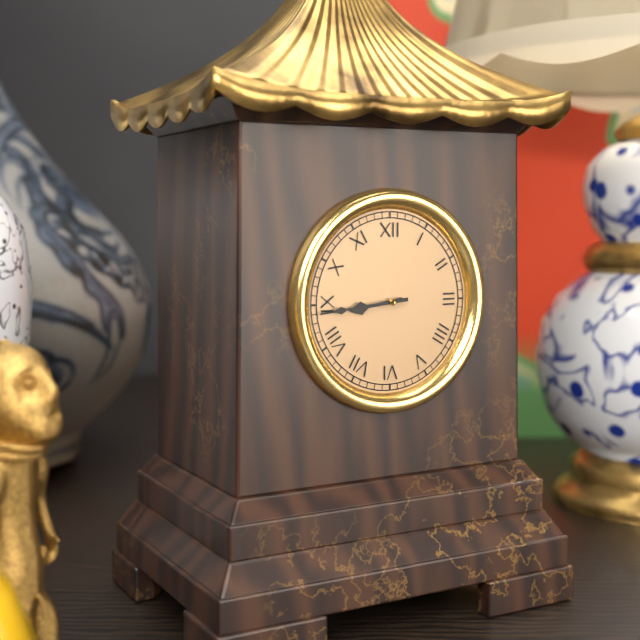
8.44
